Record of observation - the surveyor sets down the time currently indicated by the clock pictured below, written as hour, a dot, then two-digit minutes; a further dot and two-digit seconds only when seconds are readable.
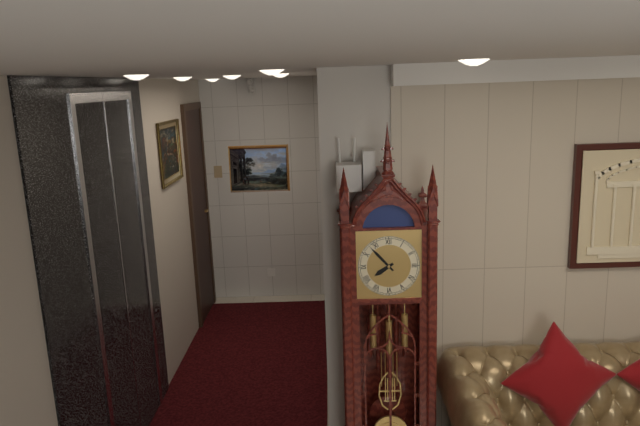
7.53
